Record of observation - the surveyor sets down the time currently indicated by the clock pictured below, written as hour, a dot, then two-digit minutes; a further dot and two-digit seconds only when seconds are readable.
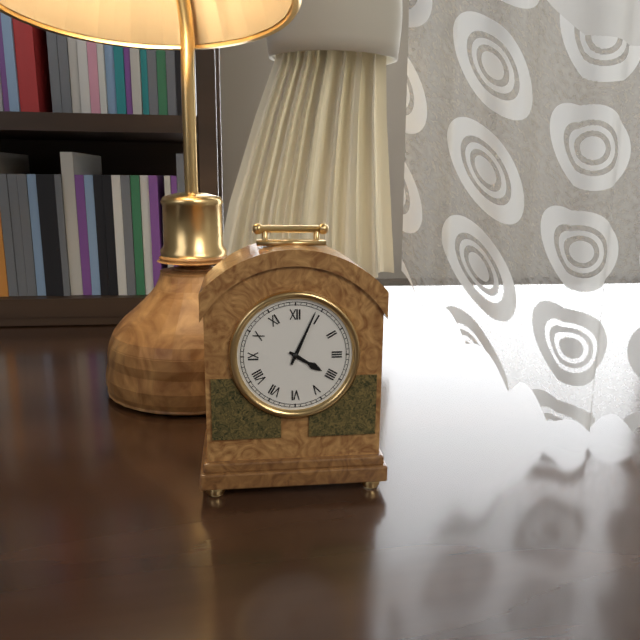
4.04
